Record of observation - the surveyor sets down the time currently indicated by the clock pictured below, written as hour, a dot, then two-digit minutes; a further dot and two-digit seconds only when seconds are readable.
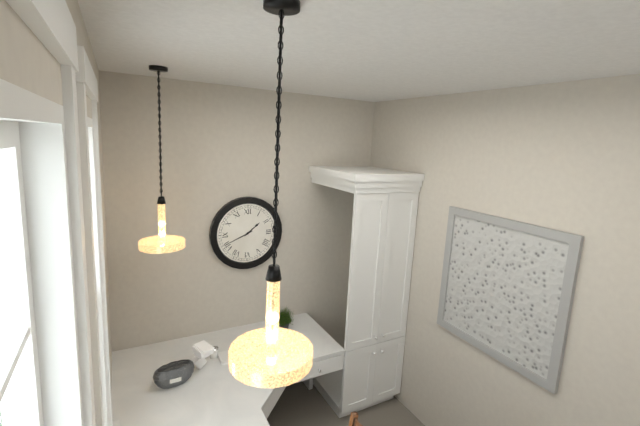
1.41
